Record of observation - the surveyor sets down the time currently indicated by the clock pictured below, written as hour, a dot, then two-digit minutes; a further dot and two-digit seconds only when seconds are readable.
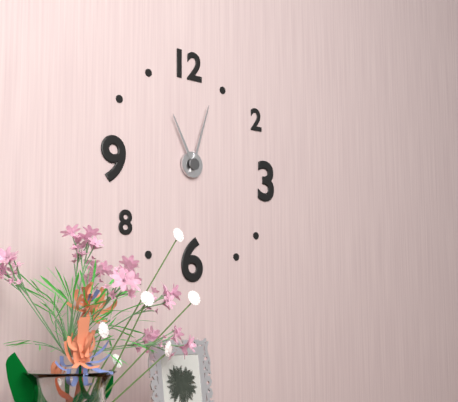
11.03
